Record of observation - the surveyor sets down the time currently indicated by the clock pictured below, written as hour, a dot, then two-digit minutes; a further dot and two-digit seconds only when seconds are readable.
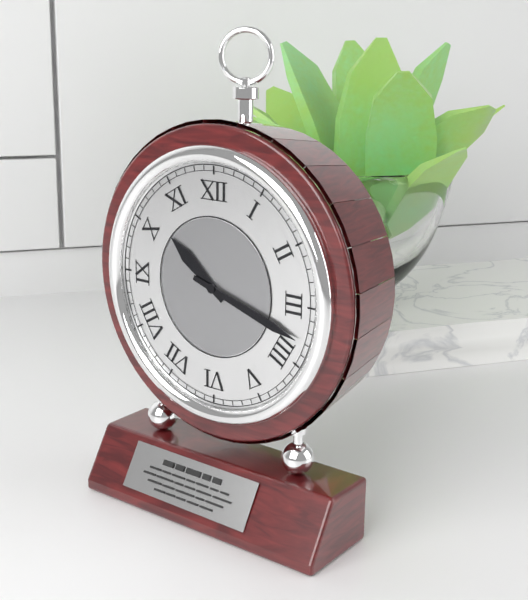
10.18
